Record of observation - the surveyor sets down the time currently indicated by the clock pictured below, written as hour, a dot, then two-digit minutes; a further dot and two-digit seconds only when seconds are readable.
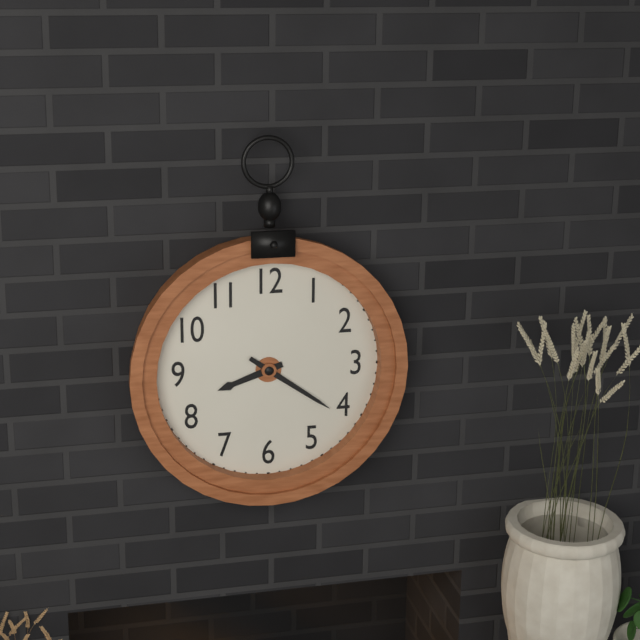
8.21
